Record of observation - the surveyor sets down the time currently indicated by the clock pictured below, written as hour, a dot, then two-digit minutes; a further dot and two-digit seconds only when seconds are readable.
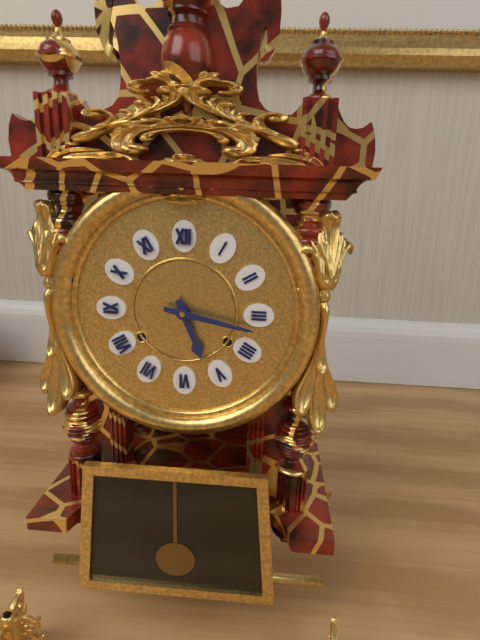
5.17
